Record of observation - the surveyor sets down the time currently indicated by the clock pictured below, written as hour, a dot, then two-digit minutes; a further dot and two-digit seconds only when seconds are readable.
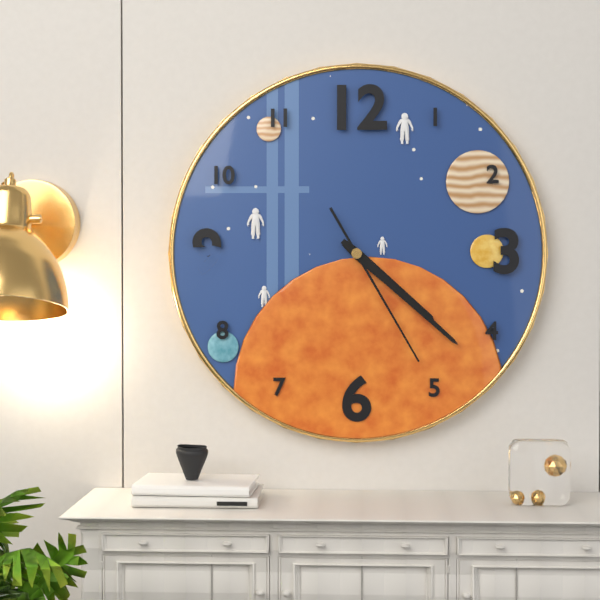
4.22.25
